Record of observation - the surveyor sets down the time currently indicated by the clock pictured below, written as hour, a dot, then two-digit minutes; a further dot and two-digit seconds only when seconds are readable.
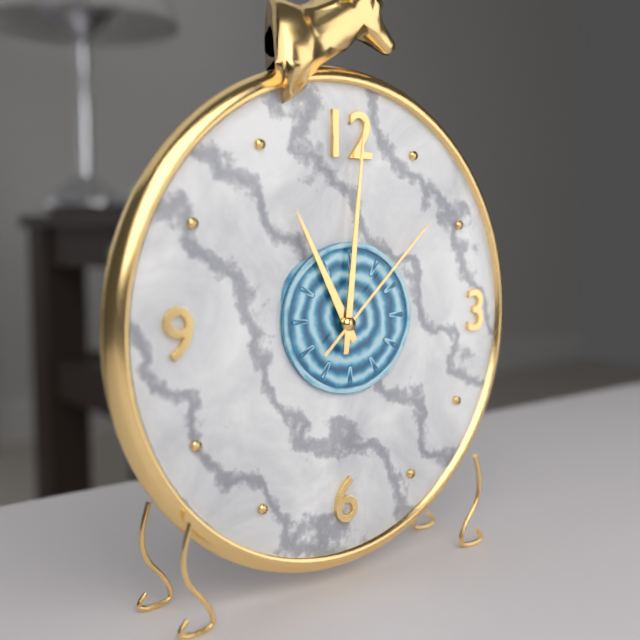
11.01.08
